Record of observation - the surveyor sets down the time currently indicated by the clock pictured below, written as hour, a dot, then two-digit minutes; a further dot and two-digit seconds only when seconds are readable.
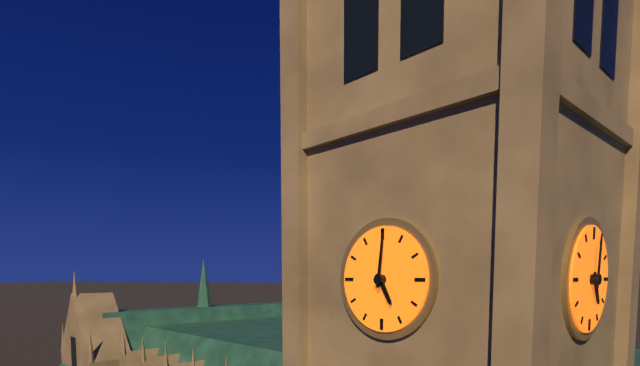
5.01
